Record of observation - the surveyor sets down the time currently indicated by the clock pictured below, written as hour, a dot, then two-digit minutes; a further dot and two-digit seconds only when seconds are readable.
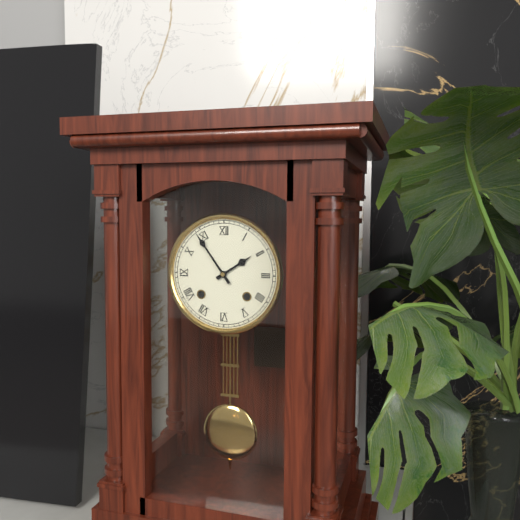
1.54
